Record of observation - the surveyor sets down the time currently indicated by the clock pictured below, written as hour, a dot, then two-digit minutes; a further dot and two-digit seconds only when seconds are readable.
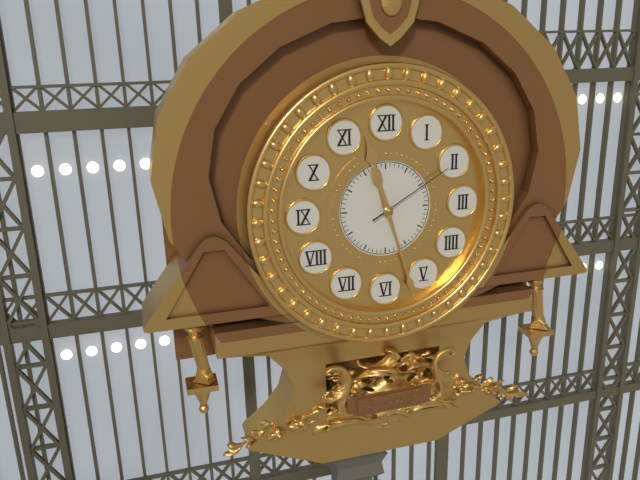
11.27.10
